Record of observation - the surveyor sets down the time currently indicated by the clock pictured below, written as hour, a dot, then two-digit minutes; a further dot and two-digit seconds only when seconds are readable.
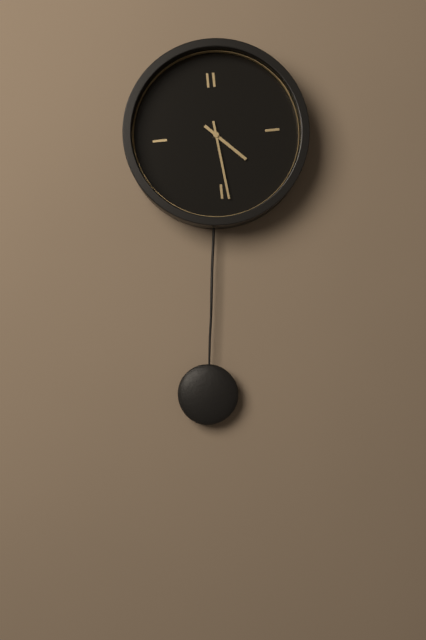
4.29
